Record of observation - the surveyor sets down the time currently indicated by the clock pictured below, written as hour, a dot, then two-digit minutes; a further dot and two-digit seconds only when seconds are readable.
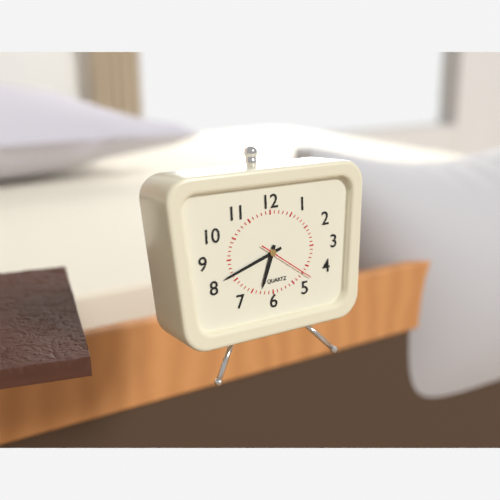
6.42.21
